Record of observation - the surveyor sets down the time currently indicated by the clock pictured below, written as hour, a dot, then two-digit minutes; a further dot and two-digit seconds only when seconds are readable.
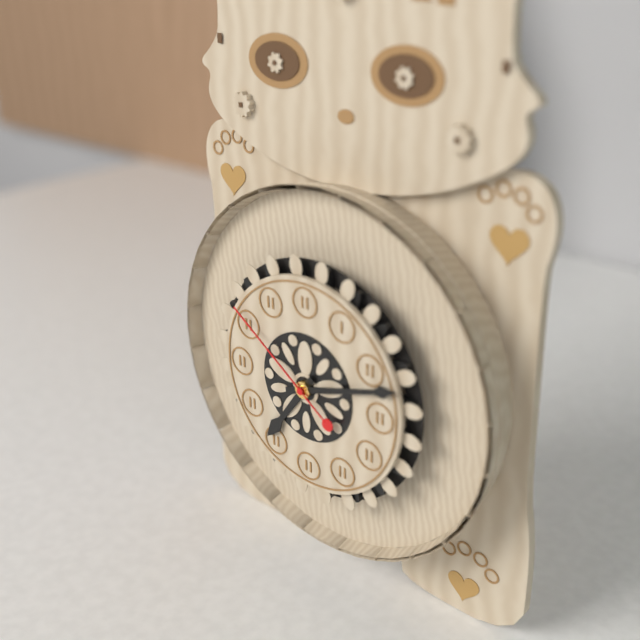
7.12.51
